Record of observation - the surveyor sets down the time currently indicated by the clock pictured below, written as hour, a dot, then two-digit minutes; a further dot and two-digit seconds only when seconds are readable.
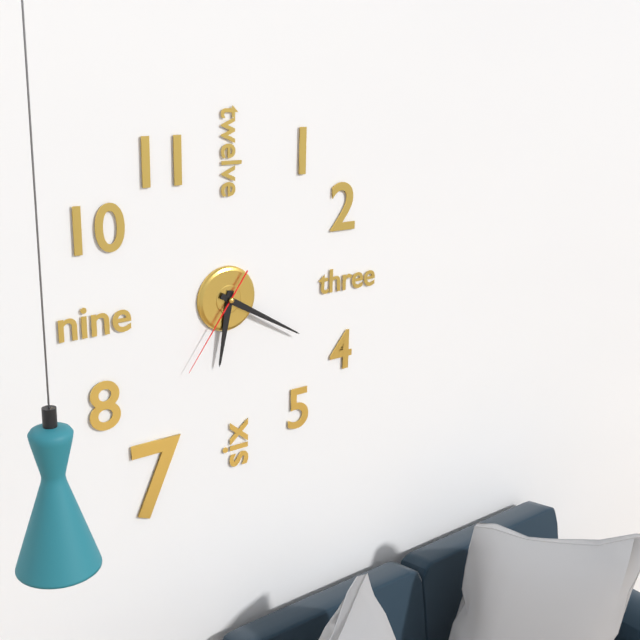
6.20.36
